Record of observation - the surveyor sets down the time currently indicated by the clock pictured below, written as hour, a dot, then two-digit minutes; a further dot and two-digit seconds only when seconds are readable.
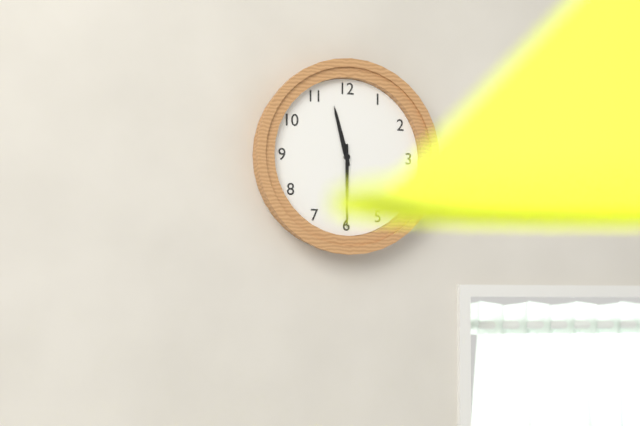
11.30
